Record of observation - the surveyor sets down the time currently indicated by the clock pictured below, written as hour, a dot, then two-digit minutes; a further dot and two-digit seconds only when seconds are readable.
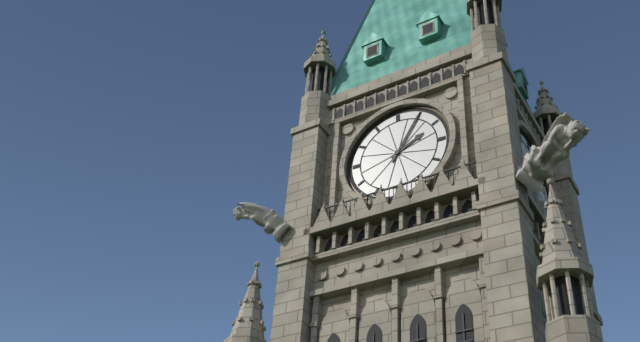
2.05
